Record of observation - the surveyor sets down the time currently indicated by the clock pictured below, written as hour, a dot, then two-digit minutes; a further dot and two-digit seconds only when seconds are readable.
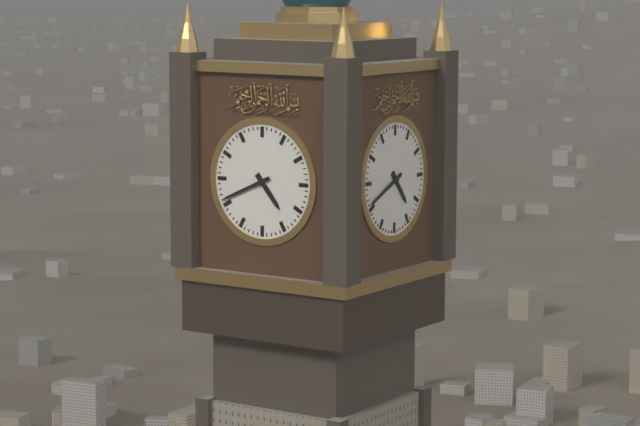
4.41
